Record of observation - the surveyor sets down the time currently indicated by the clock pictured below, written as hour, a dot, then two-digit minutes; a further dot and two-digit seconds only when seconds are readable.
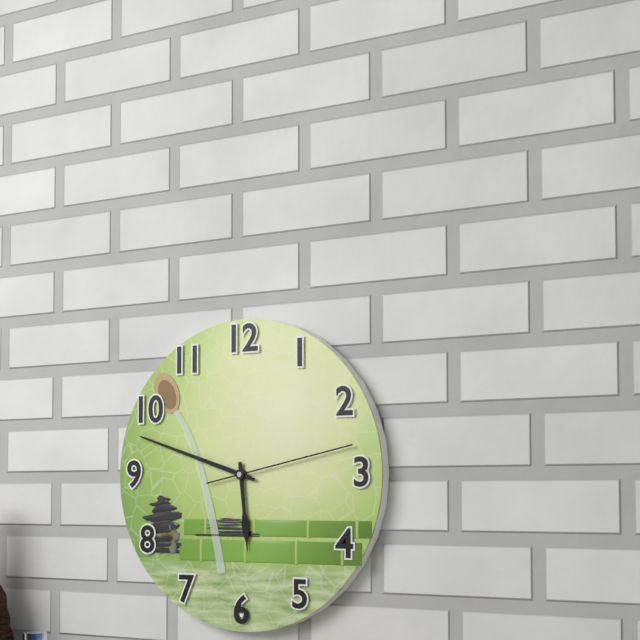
5.48.13
